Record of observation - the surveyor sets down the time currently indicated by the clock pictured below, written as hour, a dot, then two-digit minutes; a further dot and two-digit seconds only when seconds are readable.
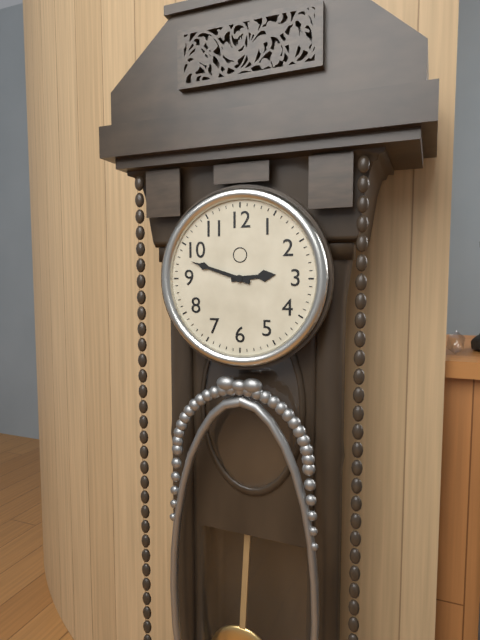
2.48
